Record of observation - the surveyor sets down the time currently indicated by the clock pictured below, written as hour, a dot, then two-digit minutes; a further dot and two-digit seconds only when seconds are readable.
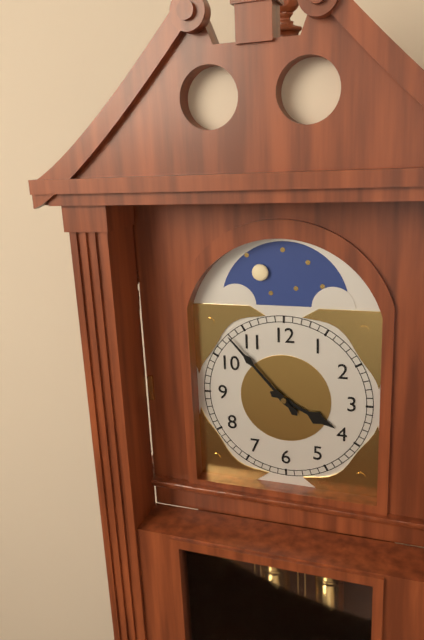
3.53
